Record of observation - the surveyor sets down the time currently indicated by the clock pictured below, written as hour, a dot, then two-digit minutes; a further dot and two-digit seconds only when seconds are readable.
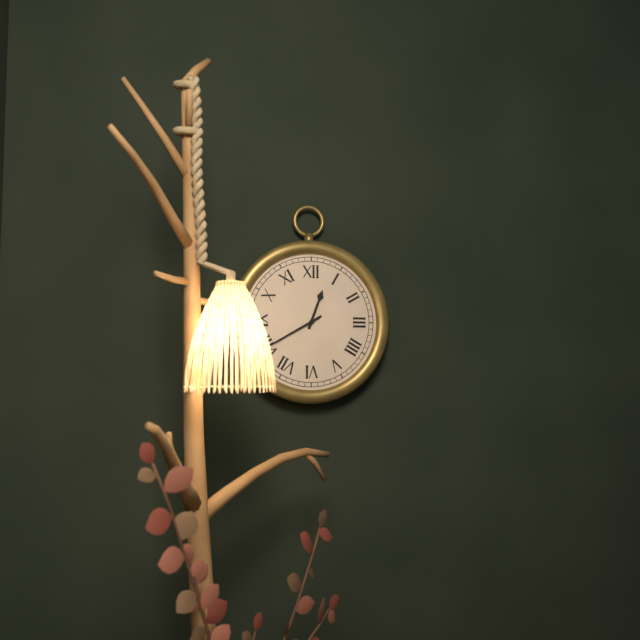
12.40
